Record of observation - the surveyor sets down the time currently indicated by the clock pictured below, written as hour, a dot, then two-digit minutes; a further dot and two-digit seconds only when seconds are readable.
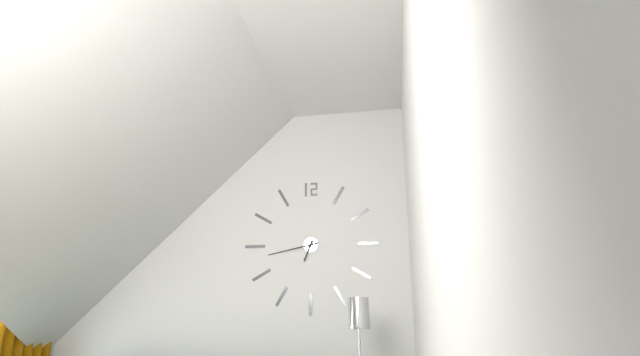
6.43
